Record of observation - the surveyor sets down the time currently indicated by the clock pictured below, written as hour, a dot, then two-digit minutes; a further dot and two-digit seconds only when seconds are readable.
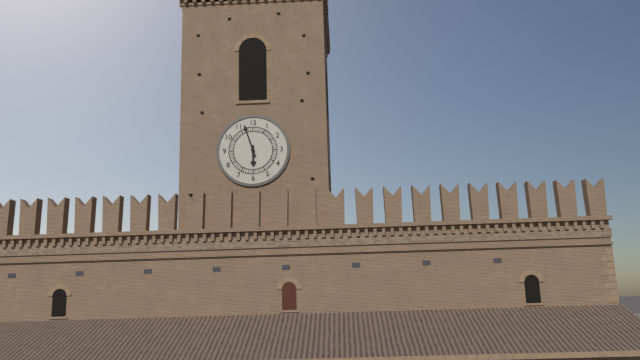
5.57
